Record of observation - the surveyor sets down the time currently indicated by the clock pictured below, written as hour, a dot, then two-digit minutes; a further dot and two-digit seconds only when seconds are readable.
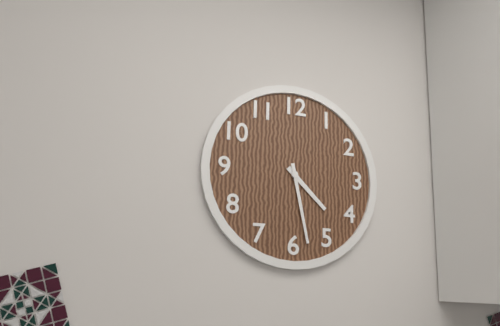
4.28
